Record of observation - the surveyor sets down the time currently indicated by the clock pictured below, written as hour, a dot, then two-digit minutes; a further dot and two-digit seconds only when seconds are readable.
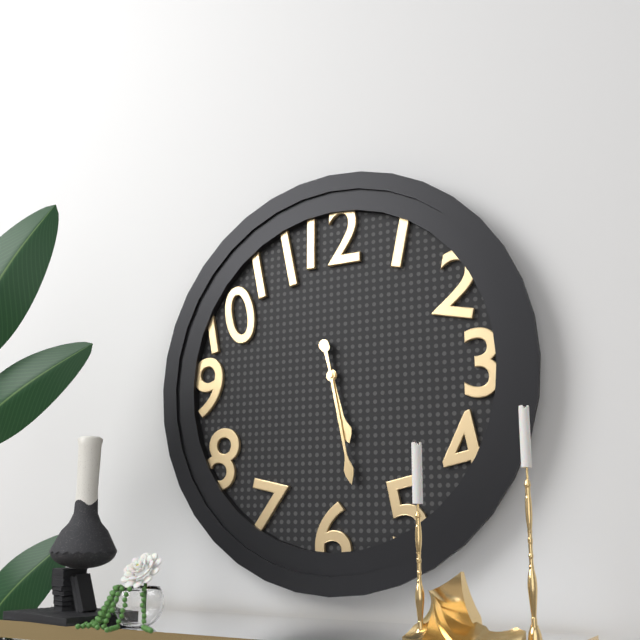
5.28
